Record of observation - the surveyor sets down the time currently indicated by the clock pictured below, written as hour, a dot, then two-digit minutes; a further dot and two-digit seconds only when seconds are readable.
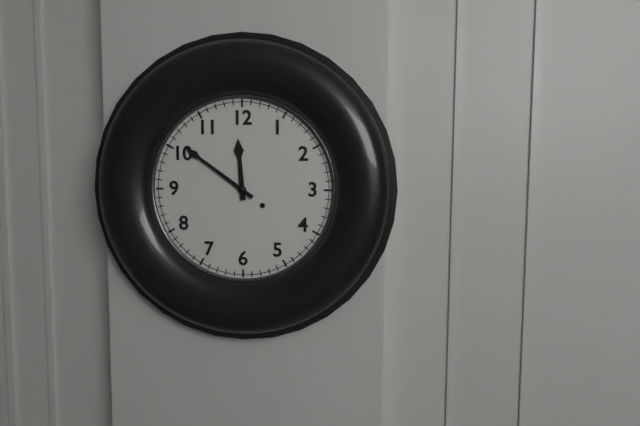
11.51
